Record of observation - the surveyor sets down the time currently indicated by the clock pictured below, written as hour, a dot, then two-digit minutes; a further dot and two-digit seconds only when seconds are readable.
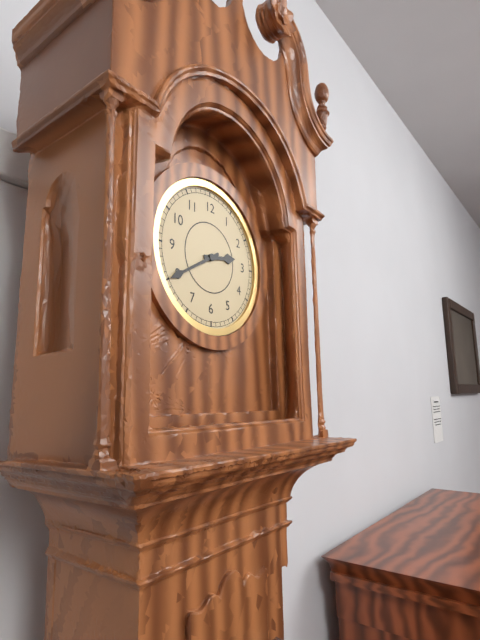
2.40
